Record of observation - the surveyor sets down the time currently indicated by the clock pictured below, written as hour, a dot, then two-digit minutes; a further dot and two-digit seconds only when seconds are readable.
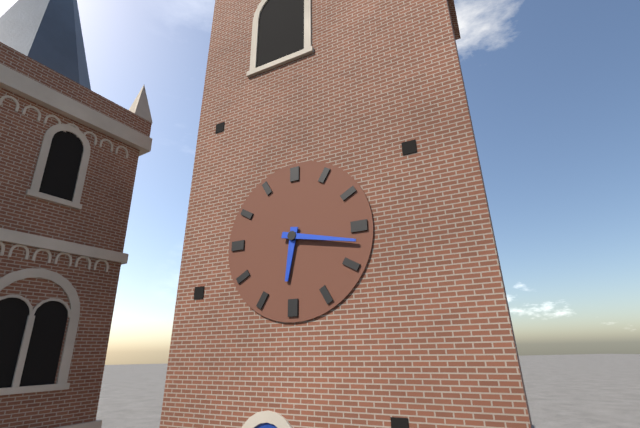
6.17
